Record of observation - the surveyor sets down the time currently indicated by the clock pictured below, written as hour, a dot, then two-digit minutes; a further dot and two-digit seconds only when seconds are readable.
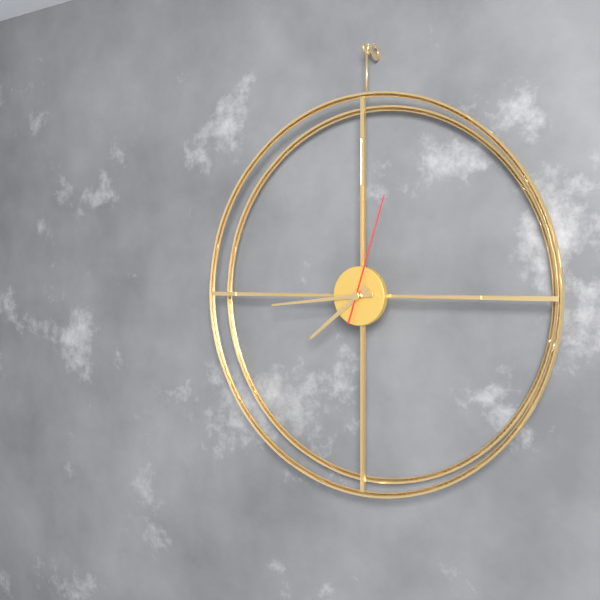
7.44.03
